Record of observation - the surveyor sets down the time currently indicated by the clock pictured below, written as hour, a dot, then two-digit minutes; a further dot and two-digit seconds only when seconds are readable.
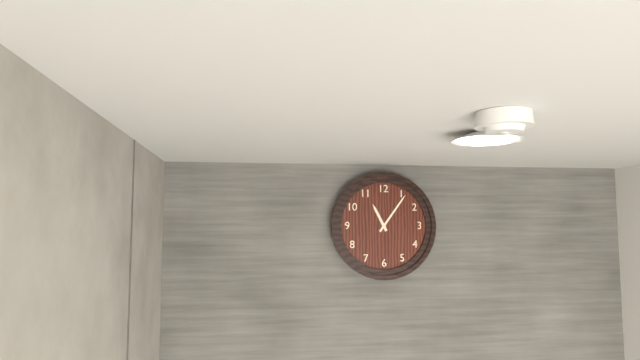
11.06
